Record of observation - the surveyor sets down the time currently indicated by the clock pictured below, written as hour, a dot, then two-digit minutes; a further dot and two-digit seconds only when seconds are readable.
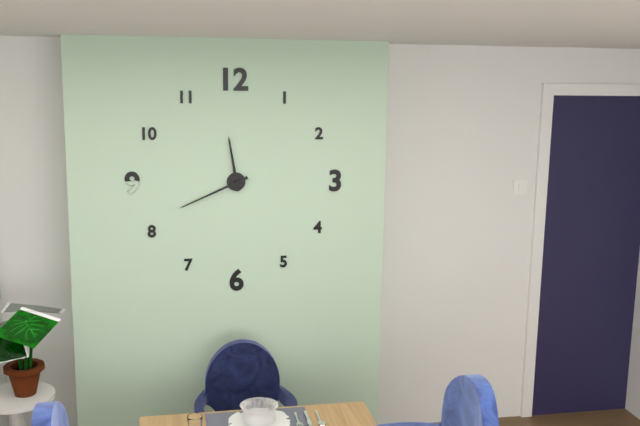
11.41
